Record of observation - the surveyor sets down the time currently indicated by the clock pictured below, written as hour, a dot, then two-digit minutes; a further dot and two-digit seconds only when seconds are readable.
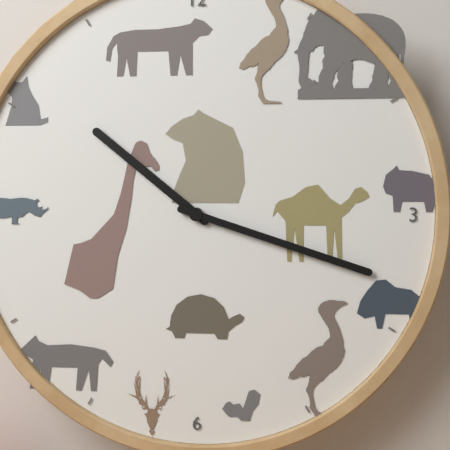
10.18
